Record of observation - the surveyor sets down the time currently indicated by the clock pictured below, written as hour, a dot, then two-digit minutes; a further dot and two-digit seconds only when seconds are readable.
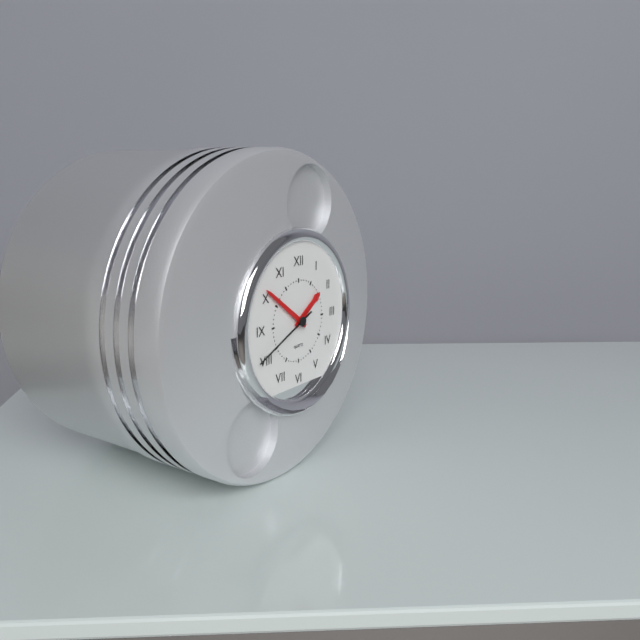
1.51.41
